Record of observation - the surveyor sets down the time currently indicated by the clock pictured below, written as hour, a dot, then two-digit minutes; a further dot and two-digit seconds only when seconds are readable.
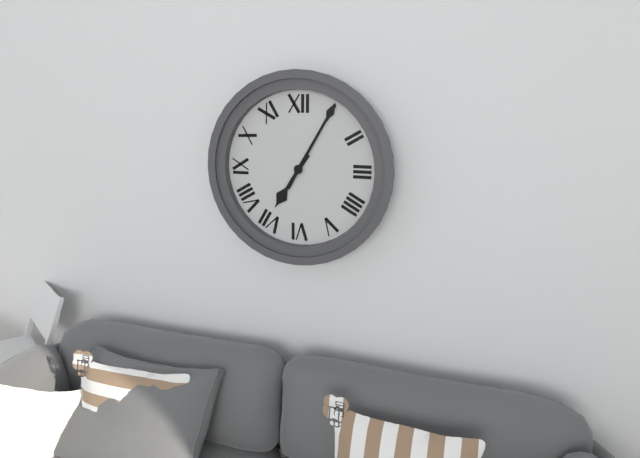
7.05
